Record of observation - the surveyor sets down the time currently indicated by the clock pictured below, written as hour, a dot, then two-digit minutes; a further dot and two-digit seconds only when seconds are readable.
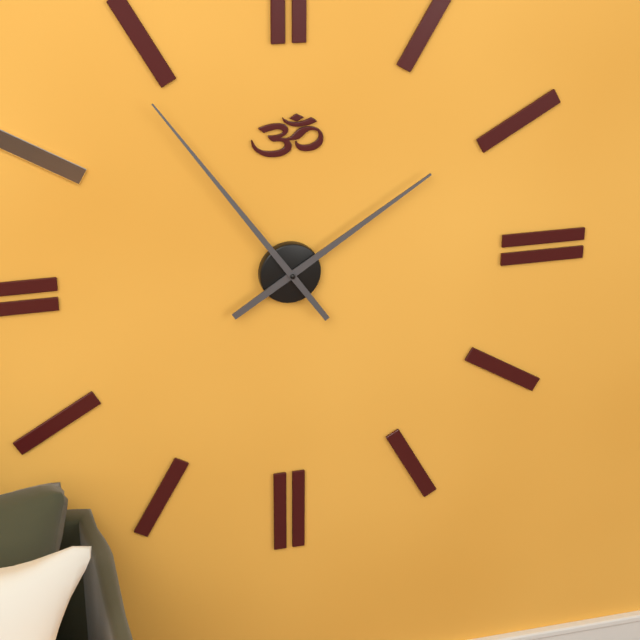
1.54
